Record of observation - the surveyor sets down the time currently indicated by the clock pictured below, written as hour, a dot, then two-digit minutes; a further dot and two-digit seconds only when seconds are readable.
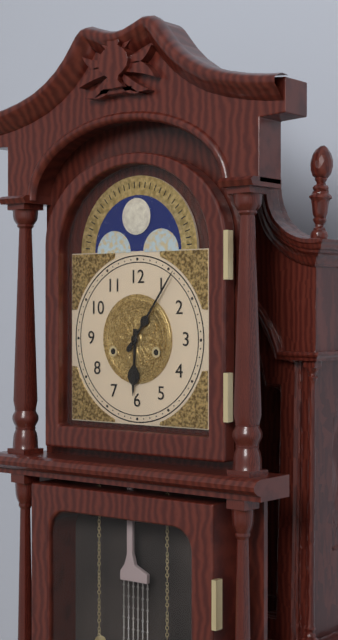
6.06
